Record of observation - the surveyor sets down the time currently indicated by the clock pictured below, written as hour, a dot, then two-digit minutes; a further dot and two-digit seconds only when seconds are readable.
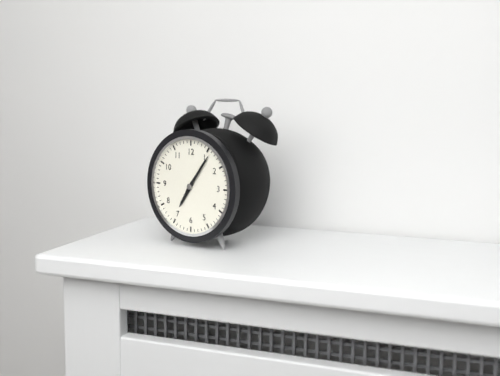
7.06
